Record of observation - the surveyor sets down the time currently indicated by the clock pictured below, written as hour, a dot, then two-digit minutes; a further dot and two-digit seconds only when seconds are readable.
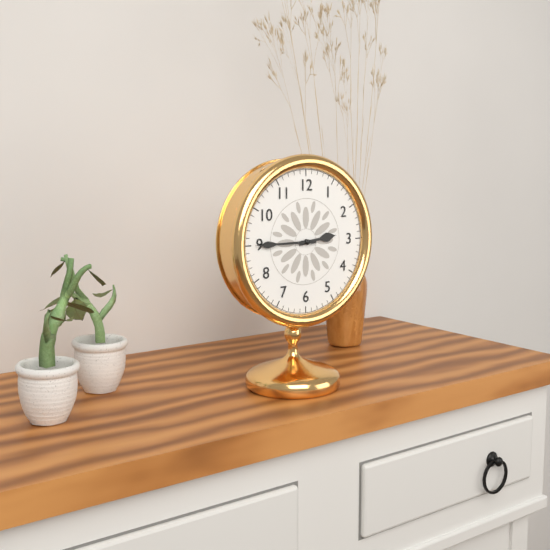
2.45
